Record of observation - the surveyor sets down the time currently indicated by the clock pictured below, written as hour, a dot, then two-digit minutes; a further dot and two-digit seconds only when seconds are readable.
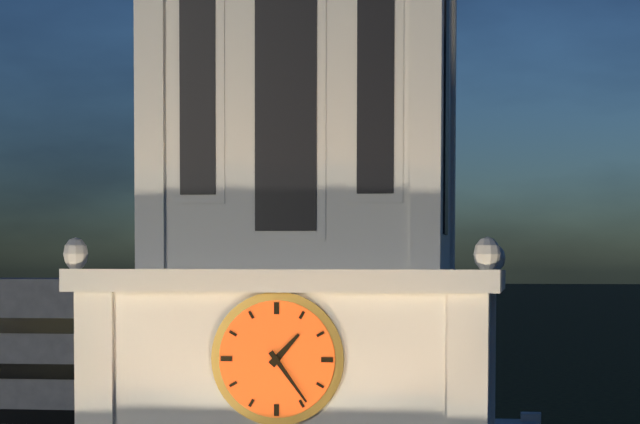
1.24
